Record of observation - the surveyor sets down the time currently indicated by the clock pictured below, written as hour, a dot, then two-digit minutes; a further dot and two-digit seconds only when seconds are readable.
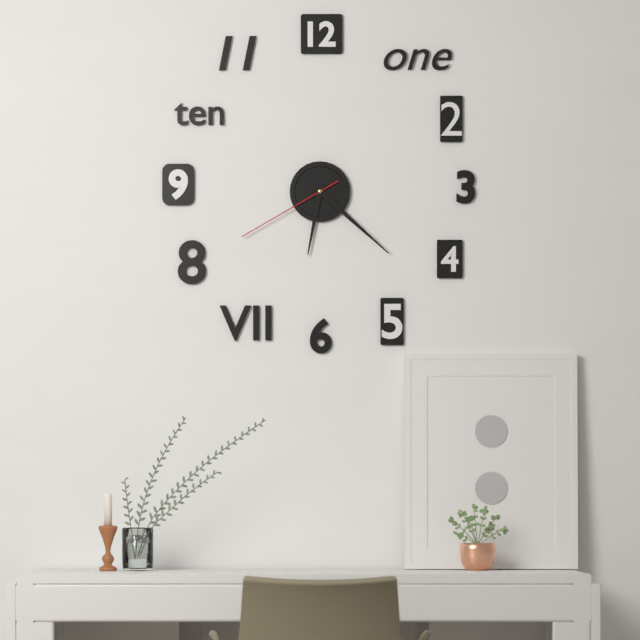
6.22.40
